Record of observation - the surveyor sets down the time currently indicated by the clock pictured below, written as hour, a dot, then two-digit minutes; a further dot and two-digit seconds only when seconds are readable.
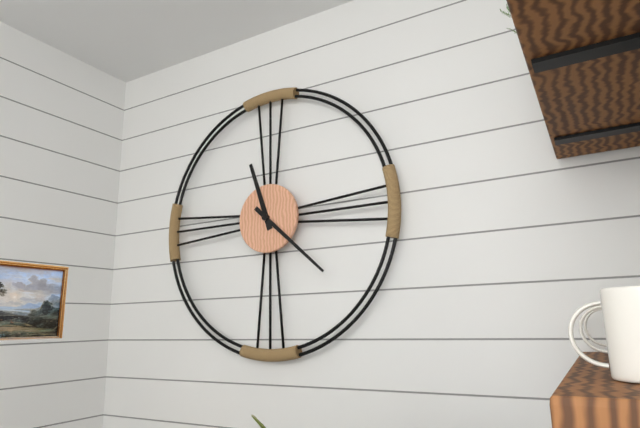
11.22
